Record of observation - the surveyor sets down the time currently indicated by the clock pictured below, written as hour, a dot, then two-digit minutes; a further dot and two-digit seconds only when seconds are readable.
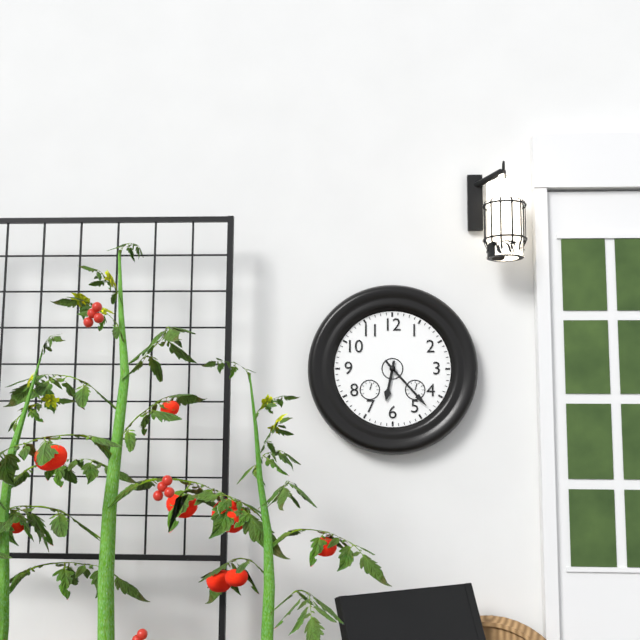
6.23
